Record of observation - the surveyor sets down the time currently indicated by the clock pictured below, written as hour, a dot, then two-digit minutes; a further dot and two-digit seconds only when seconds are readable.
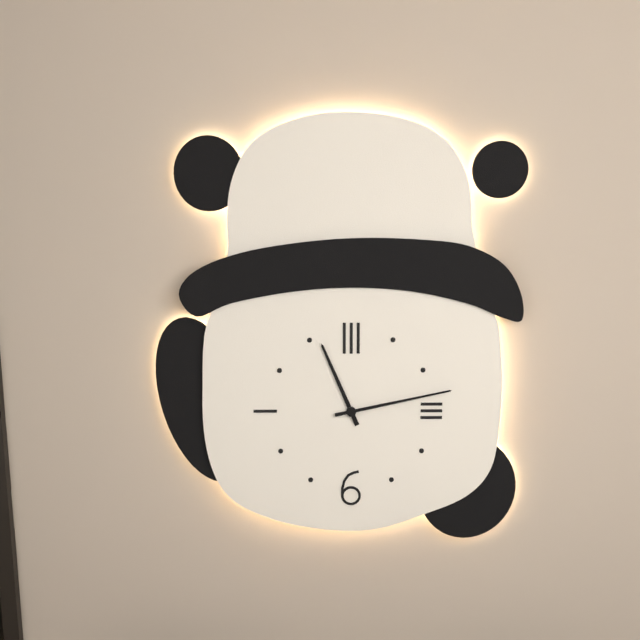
11.13
